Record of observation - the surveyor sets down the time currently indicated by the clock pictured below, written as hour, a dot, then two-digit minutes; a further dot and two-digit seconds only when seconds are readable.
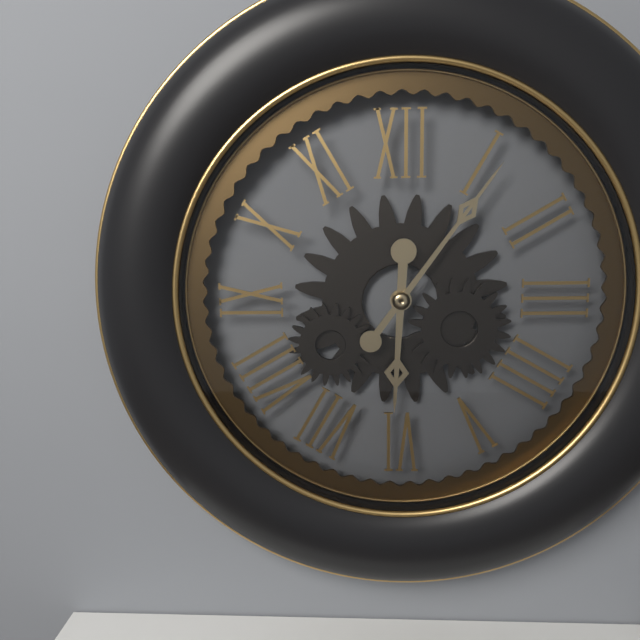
6.06
